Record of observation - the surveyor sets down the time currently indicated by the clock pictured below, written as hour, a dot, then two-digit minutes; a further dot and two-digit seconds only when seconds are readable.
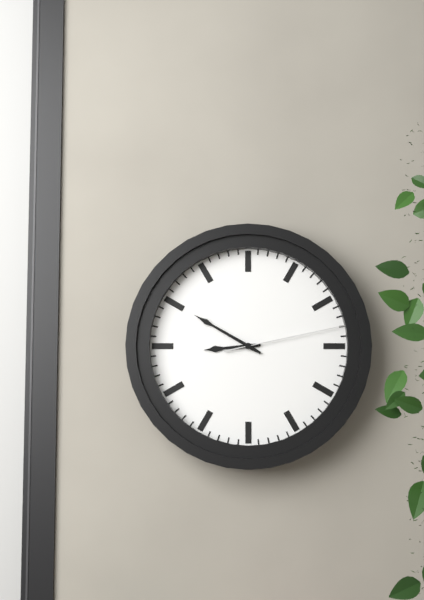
8.50.13
